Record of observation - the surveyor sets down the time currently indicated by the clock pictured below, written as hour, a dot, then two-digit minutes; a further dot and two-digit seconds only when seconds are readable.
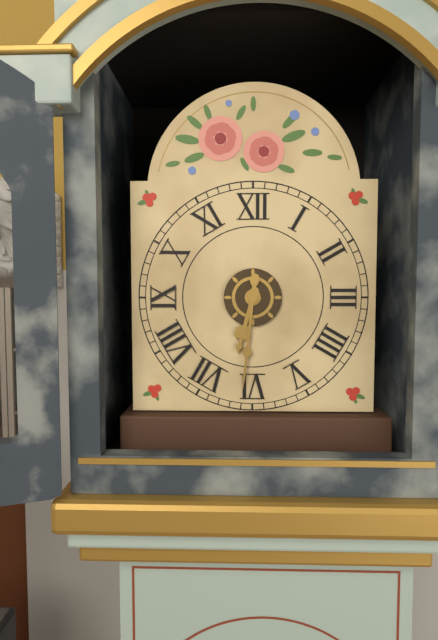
6.31
